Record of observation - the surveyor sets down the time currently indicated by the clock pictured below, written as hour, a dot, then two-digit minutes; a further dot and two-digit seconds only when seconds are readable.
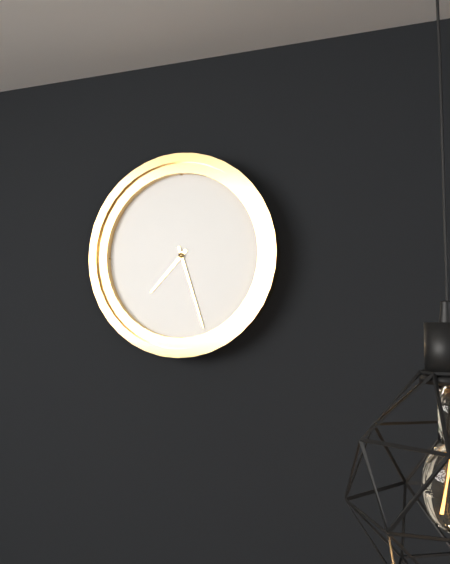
7.27
